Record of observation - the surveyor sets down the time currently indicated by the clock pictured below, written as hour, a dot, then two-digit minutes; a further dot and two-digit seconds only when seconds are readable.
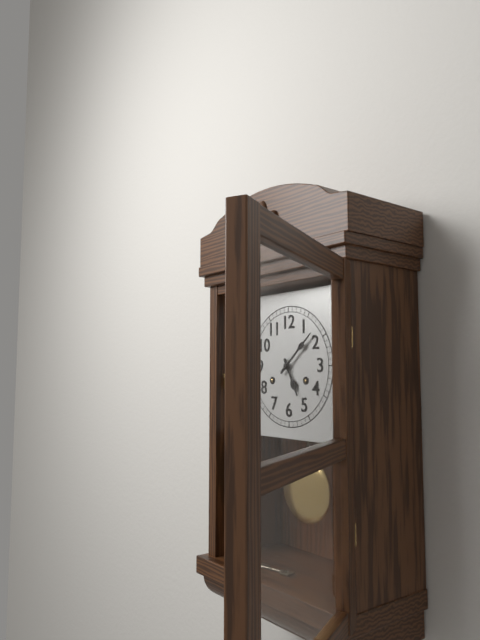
5.08
